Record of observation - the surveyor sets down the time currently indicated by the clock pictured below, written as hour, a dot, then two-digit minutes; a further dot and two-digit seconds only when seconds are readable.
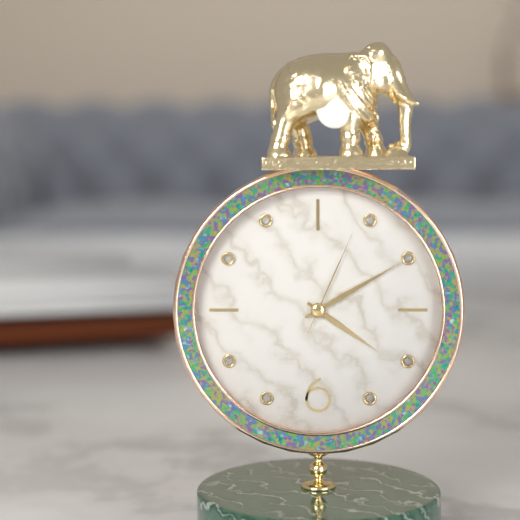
4.10.04
